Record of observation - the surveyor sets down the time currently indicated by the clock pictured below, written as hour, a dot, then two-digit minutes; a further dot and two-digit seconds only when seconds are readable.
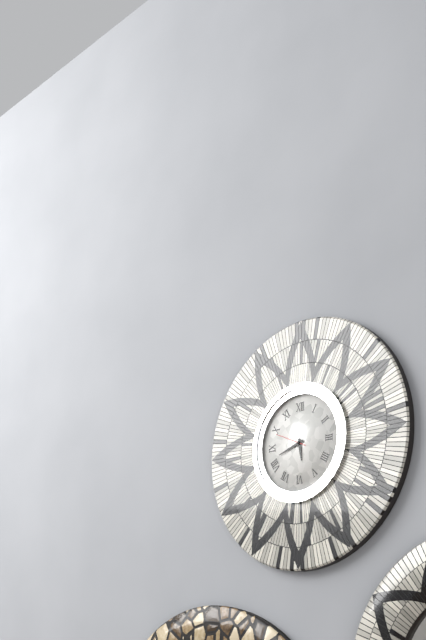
5.42
